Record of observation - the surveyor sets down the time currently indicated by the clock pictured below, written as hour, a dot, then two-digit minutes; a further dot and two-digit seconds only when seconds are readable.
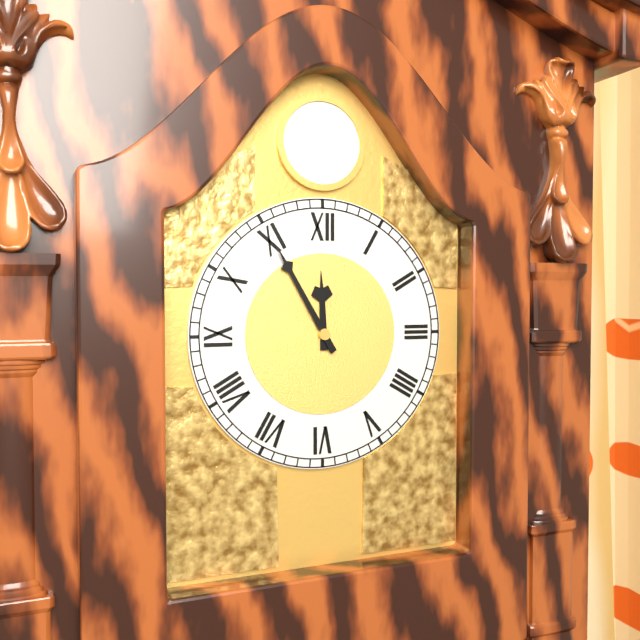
11.55
